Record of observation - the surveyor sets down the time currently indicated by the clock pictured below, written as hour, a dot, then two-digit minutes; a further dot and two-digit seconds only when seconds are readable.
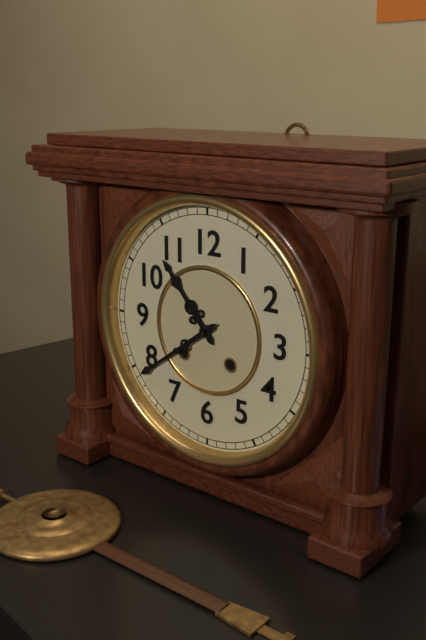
10.39
